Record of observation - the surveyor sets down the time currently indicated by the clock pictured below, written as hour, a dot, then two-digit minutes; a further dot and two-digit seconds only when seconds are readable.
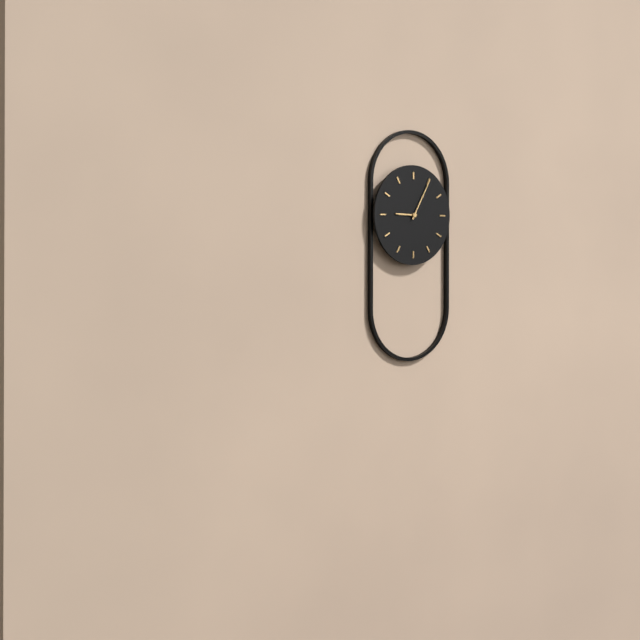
9.05
